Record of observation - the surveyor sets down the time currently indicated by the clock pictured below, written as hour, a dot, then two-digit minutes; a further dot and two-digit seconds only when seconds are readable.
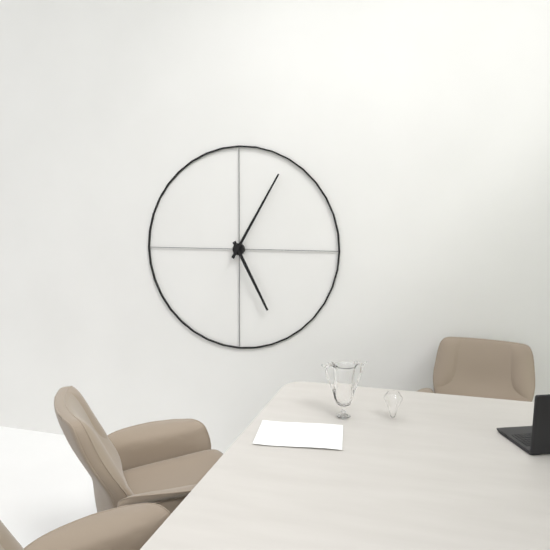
5.05
